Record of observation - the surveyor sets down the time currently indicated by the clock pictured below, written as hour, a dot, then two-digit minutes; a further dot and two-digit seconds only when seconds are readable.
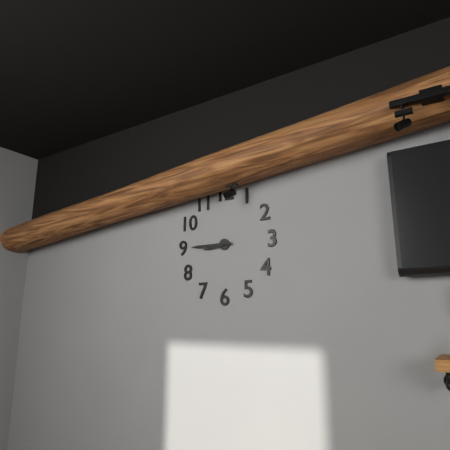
8.45
